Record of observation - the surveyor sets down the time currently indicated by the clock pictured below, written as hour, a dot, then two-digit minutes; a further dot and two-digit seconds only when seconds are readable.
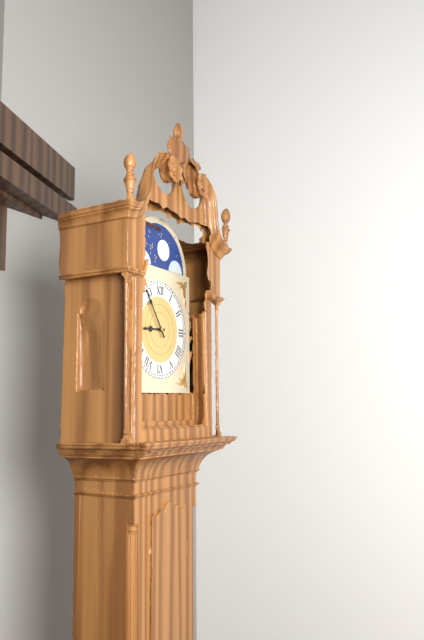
8.54
